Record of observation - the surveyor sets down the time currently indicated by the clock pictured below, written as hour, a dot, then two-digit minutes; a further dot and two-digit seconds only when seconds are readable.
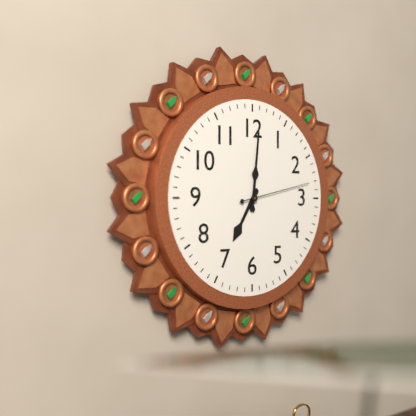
7.01.13
